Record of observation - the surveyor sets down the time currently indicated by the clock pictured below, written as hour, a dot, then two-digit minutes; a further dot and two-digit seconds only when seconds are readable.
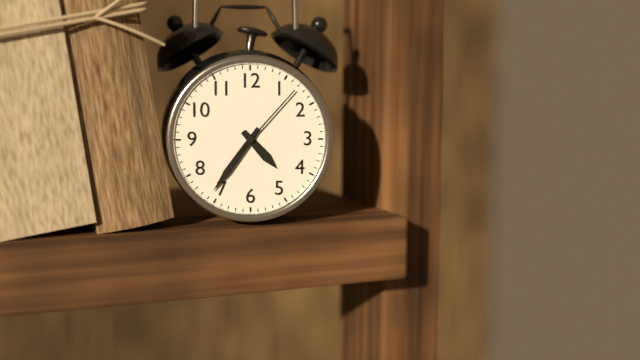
4.36.07
